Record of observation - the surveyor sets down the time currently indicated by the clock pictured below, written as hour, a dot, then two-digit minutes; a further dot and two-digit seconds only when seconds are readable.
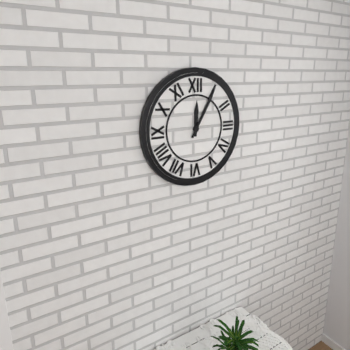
12.05
